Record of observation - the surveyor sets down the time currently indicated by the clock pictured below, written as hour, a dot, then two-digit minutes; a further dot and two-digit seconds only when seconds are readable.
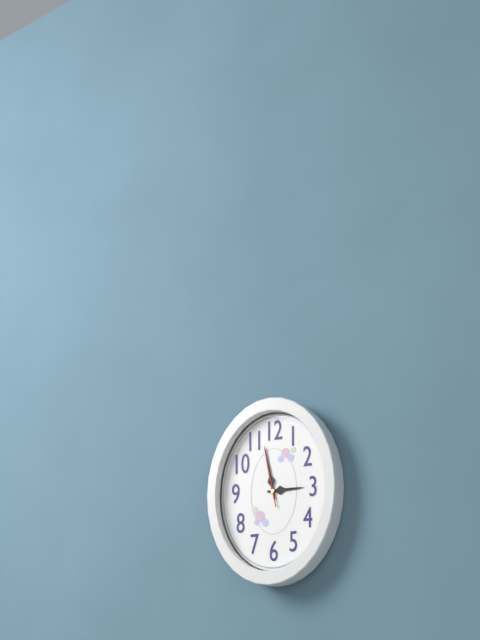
2.58.58
